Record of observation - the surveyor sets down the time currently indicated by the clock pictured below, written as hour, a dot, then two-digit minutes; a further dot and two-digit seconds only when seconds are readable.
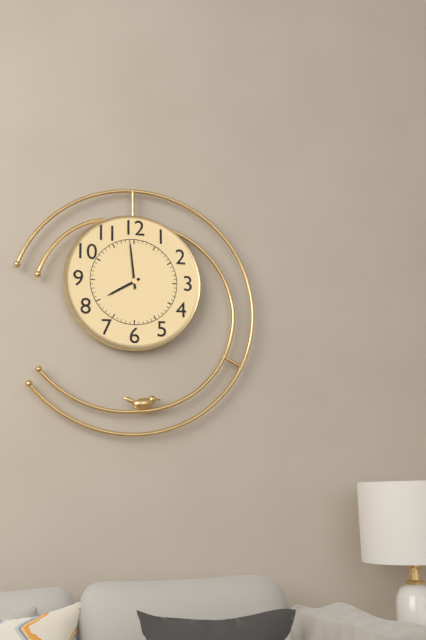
7.59
